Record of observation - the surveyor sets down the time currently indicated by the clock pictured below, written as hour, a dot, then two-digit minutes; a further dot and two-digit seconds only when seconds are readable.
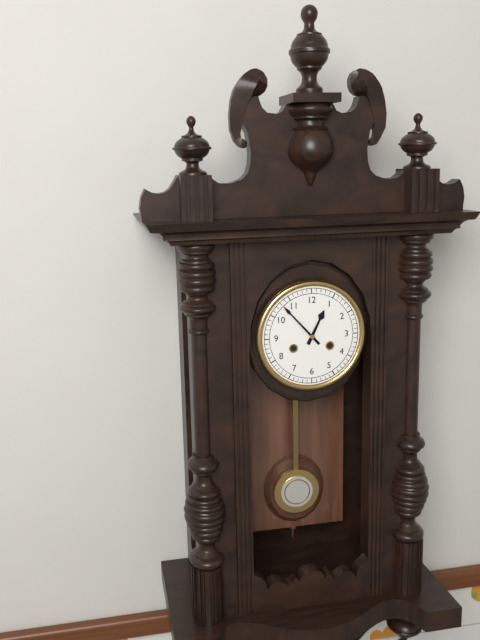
12.53
